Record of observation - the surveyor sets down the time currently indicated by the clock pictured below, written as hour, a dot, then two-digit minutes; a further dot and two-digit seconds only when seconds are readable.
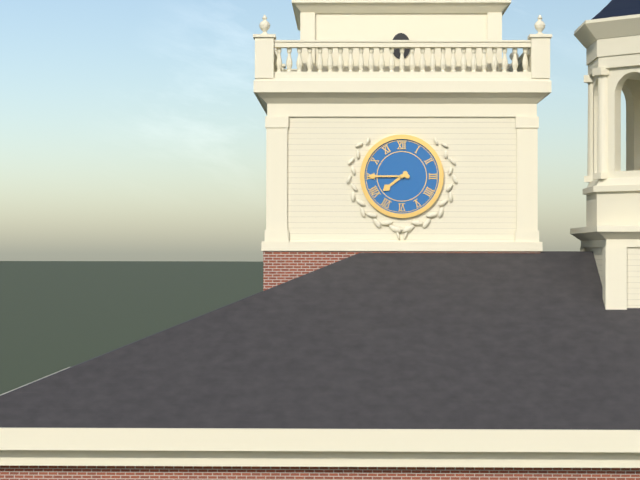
7.45
